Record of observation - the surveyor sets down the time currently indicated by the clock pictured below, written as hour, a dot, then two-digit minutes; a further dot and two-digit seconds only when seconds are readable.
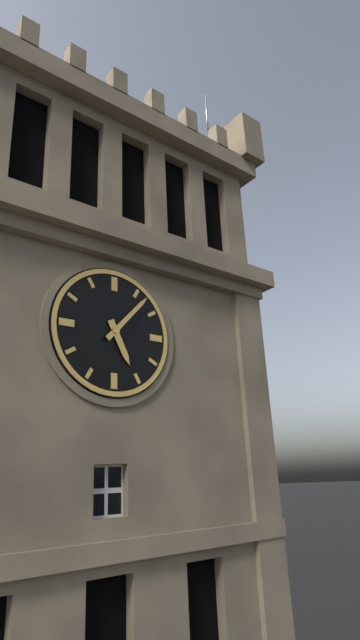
5.07
